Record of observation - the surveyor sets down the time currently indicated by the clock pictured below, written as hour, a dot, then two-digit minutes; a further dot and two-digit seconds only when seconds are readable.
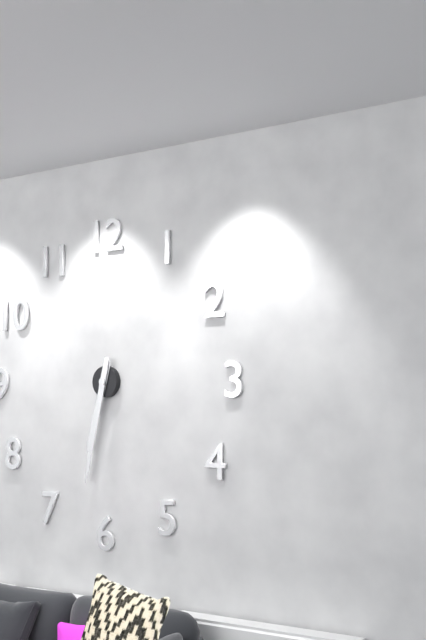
6.32
